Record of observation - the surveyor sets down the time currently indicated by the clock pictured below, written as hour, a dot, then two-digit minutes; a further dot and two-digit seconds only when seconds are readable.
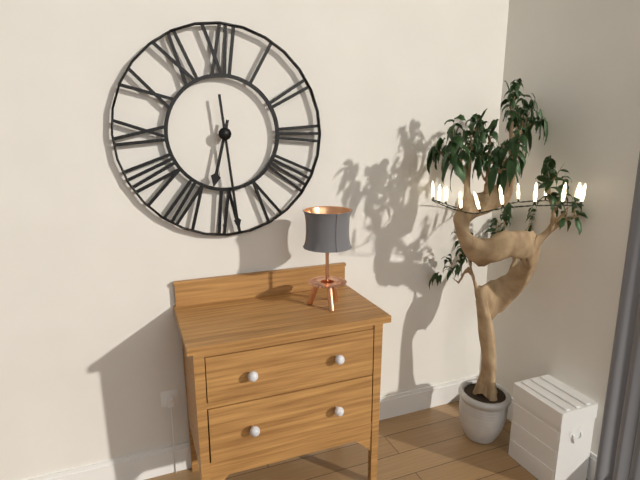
6.29
